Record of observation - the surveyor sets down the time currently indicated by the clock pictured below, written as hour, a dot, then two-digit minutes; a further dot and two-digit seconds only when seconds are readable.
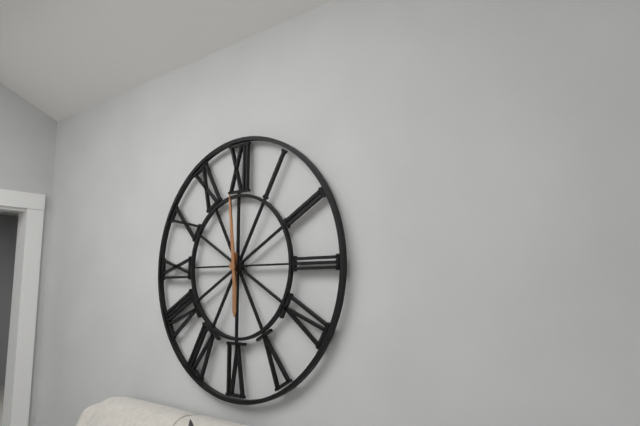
5.59
